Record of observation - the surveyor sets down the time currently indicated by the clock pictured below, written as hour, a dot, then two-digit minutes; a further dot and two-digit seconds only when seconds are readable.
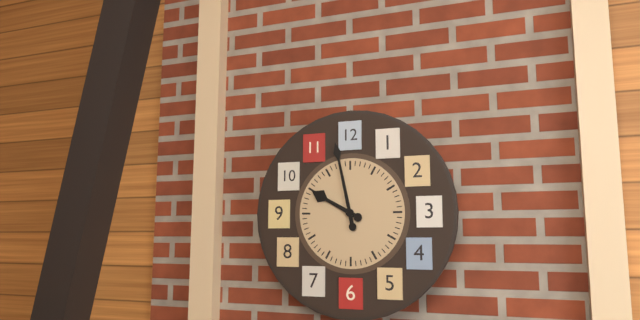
9.58
